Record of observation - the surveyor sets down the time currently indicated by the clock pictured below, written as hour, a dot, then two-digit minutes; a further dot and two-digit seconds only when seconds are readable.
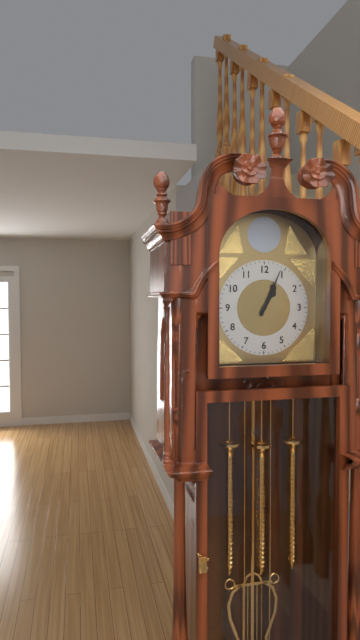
1.04
